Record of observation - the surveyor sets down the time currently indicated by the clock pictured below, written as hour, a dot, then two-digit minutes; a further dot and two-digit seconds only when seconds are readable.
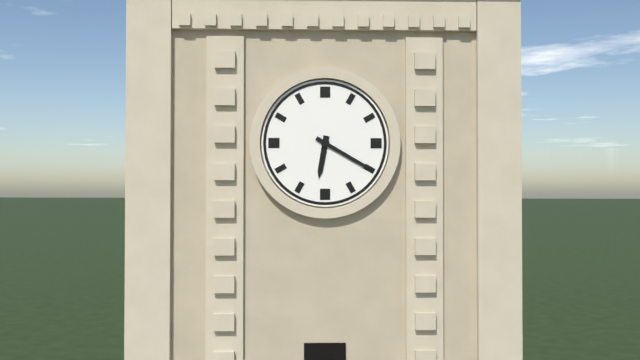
6.20
